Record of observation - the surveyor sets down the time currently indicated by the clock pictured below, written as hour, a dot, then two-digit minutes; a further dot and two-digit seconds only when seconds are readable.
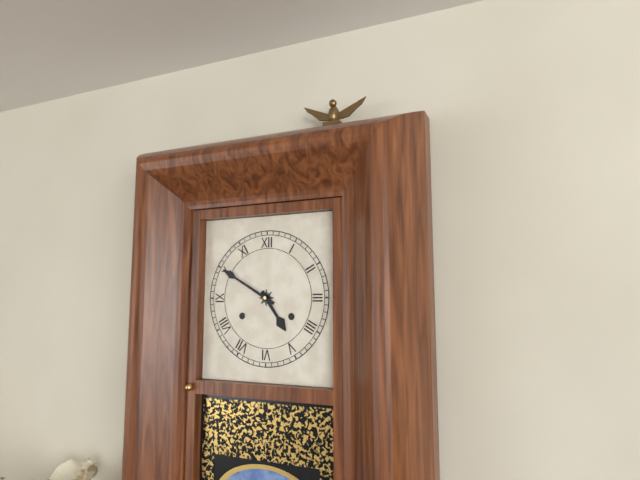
4.50
